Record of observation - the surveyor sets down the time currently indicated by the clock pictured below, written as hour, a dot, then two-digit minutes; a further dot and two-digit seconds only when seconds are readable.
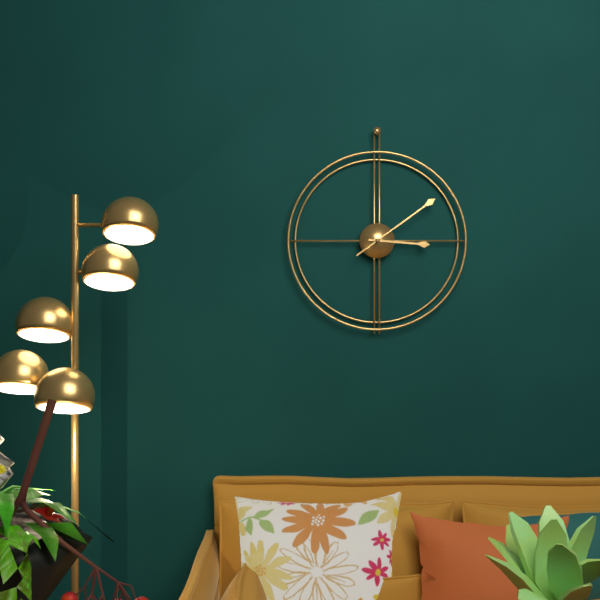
3.09
